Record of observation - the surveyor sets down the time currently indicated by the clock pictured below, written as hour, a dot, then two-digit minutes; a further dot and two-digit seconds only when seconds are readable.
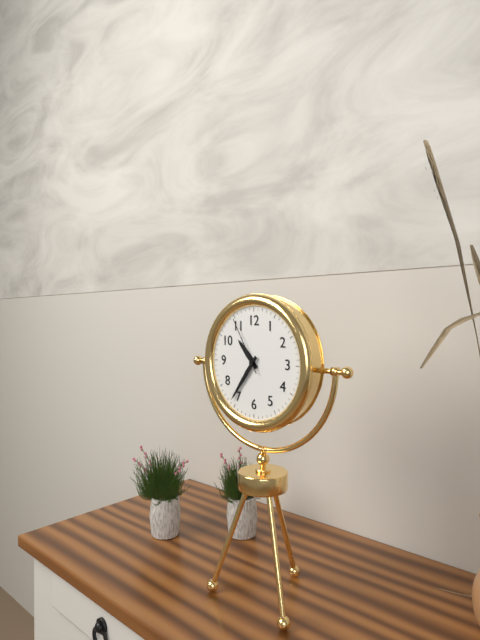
10.36.55
